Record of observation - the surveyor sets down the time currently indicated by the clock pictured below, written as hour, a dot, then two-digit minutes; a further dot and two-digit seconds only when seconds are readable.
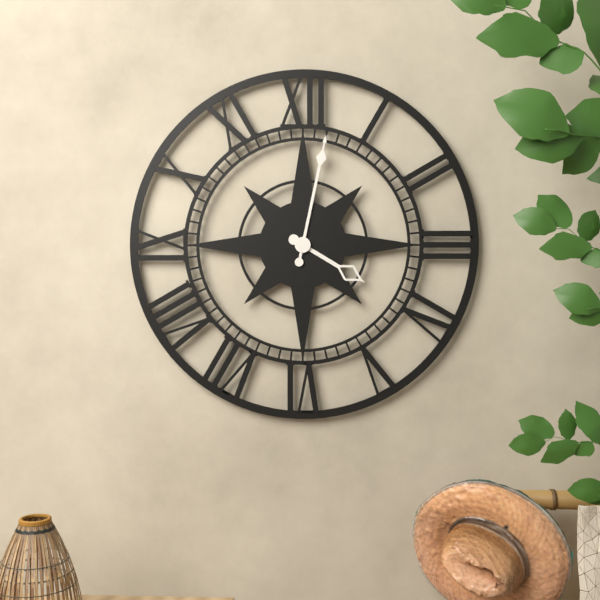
4.02
